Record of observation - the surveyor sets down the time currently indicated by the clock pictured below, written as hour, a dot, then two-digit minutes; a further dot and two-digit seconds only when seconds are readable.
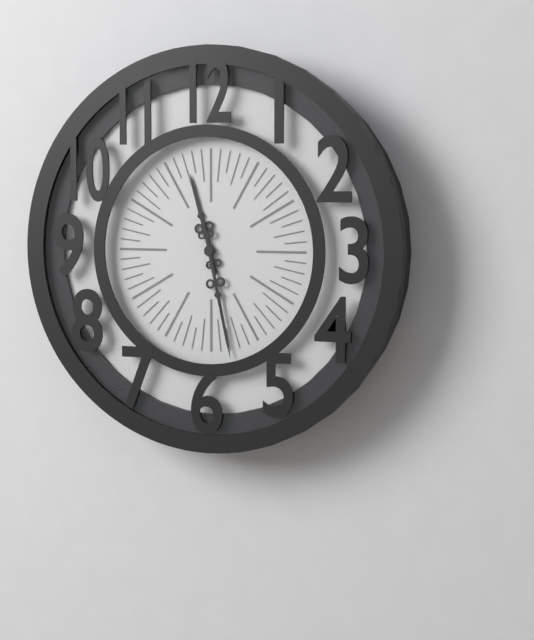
11.28
